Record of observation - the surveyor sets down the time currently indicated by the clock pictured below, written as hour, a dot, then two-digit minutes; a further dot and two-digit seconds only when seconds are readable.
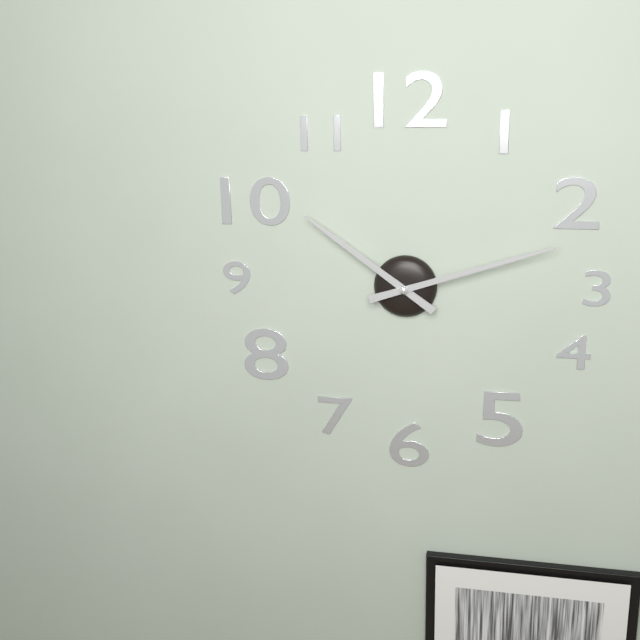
10.12
